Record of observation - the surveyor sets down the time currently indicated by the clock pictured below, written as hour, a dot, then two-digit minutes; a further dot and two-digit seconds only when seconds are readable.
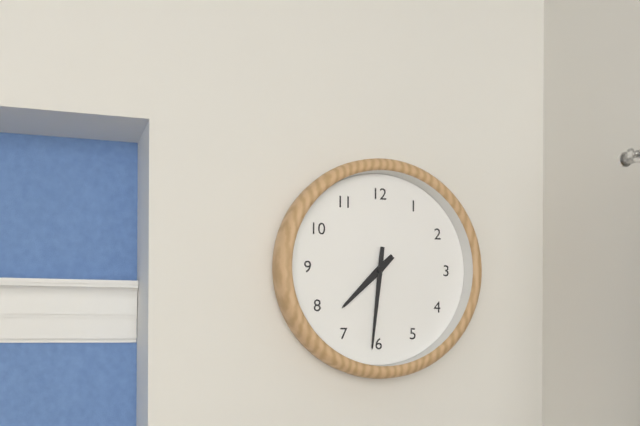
7.31
